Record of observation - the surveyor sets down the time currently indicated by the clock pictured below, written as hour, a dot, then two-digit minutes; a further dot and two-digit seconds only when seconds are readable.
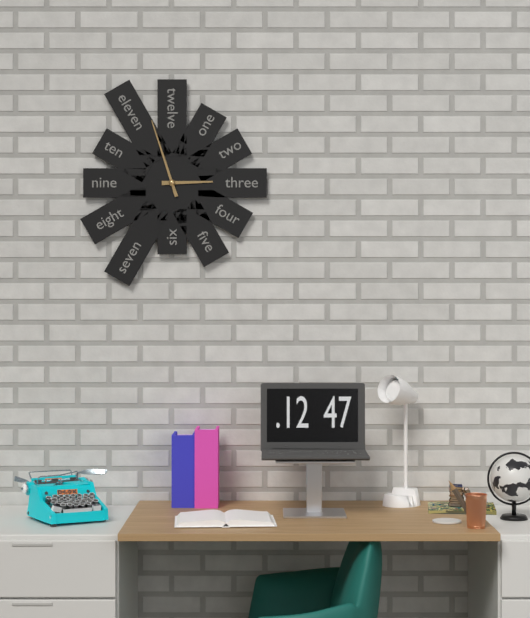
2.57
